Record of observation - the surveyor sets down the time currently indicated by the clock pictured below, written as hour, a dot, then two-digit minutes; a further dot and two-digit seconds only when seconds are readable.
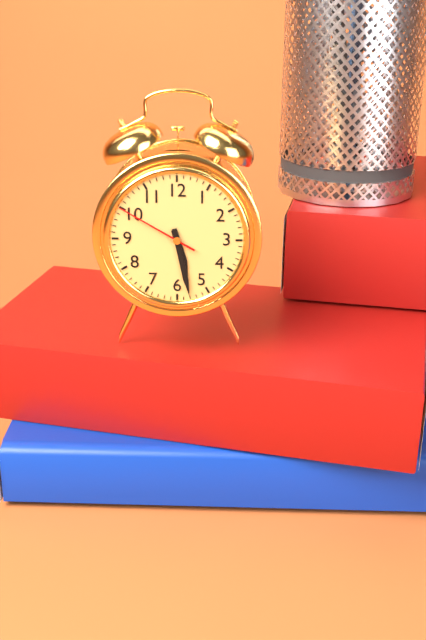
5.28.50
